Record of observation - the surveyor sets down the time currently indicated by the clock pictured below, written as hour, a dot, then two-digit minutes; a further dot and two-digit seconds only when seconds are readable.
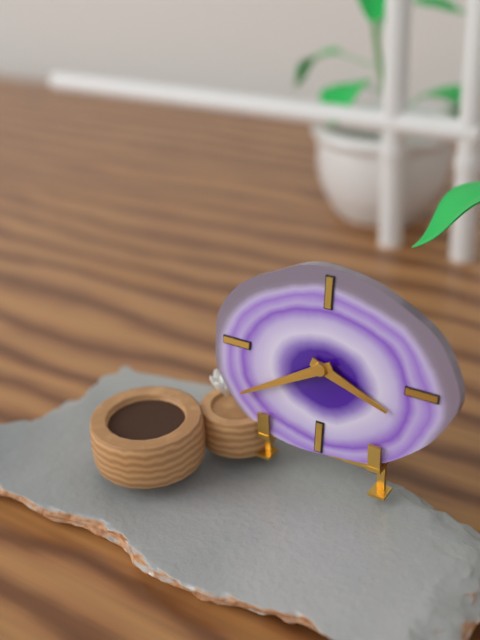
3.40
